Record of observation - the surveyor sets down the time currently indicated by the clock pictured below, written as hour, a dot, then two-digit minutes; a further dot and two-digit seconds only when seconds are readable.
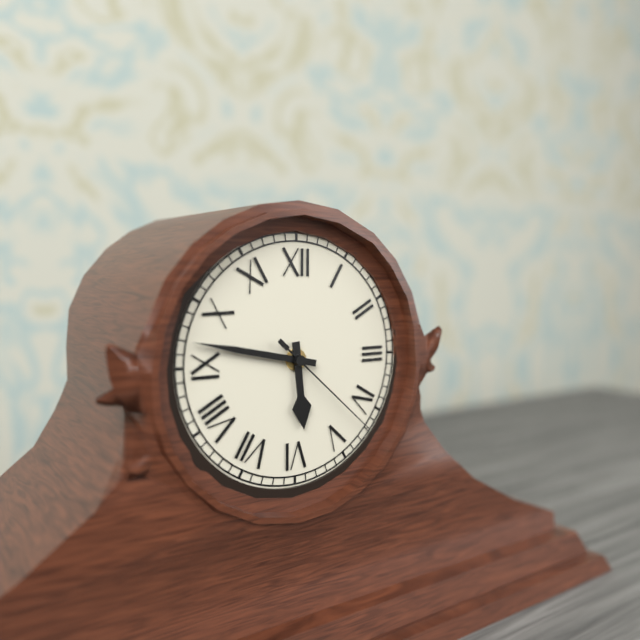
5.47.22
